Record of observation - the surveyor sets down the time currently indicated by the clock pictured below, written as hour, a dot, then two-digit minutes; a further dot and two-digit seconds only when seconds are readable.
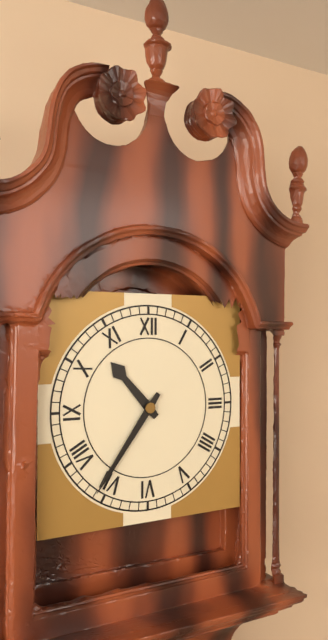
10.36
